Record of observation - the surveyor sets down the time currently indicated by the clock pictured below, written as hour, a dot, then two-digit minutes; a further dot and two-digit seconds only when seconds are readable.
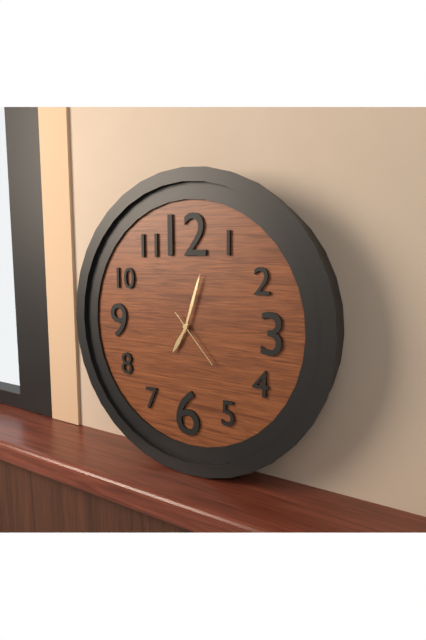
7.03.23
